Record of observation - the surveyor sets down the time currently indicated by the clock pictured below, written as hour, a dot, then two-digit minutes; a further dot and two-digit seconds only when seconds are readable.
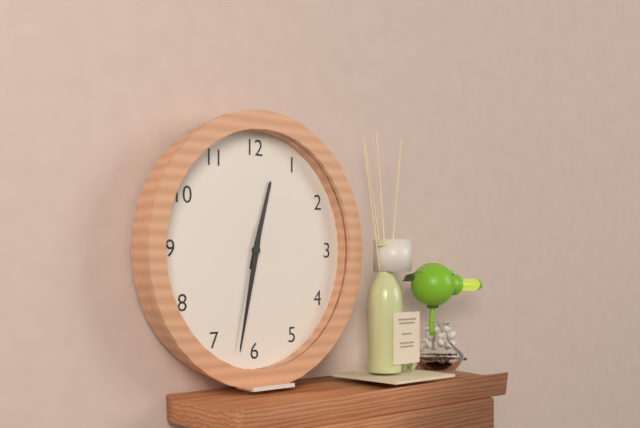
12.32
